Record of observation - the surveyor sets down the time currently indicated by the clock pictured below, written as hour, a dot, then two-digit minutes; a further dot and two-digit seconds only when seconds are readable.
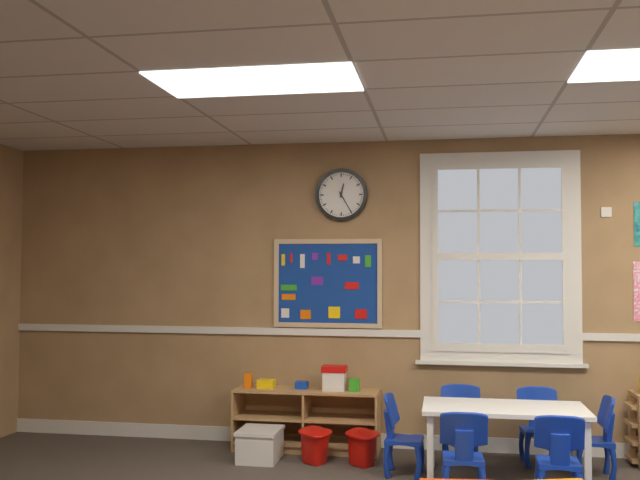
12.25
